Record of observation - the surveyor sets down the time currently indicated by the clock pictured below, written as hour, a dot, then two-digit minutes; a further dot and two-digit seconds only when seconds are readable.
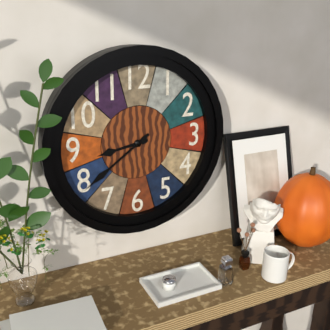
8.39
